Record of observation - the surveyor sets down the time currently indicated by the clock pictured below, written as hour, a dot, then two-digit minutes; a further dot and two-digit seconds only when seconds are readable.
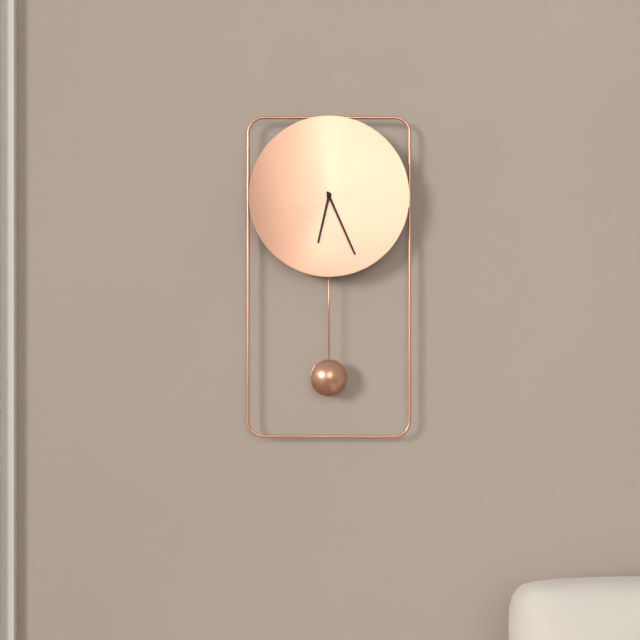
6.26
